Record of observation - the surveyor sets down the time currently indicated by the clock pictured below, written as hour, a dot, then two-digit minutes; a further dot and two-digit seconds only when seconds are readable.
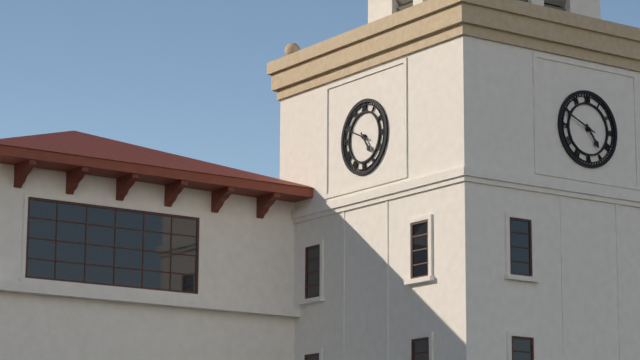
4.49
